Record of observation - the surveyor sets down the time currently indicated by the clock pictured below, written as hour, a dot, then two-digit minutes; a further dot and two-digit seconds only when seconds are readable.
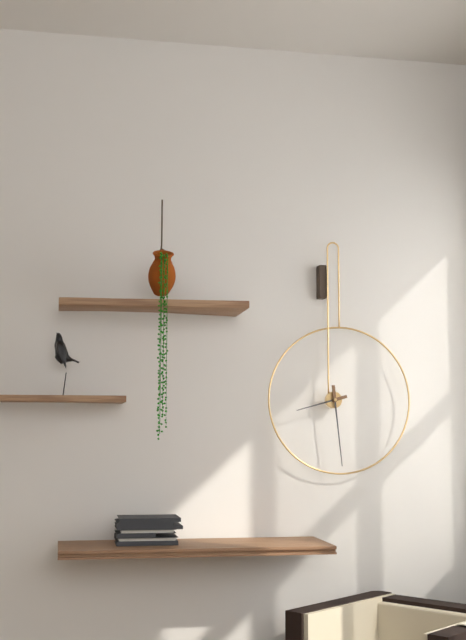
8.29
